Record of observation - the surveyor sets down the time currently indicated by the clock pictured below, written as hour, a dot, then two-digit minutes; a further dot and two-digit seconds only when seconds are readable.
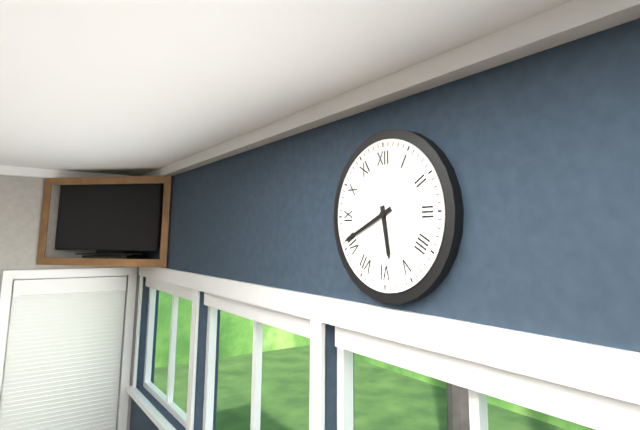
5.41
